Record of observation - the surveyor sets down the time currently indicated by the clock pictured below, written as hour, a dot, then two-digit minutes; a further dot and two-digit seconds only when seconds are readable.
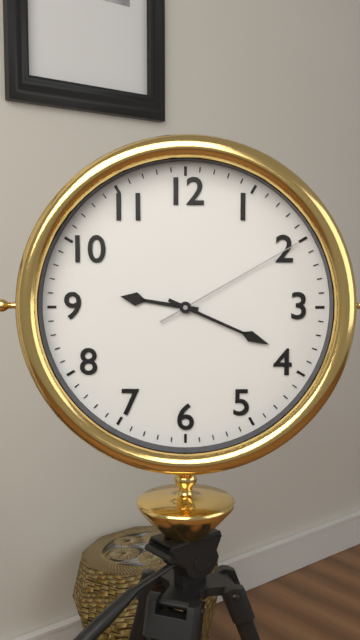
9.19.10
